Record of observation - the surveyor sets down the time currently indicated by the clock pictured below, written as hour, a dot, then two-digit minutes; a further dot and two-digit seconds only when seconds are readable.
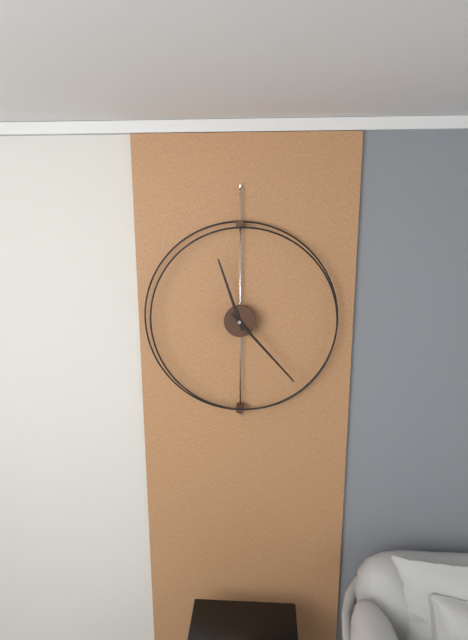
11.23
